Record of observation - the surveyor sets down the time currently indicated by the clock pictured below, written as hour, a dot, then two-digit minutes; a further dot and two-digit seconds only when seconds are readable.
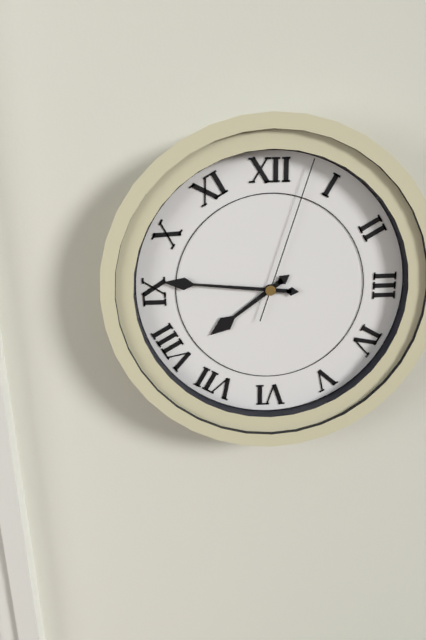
7.46.03
